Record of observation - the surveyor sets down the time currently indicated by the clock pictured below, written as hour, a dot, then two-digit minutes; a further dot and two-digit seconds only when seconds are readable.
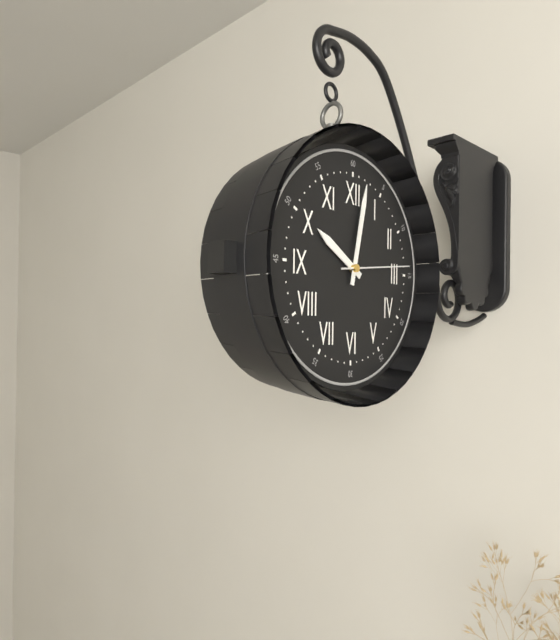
10.02.14
